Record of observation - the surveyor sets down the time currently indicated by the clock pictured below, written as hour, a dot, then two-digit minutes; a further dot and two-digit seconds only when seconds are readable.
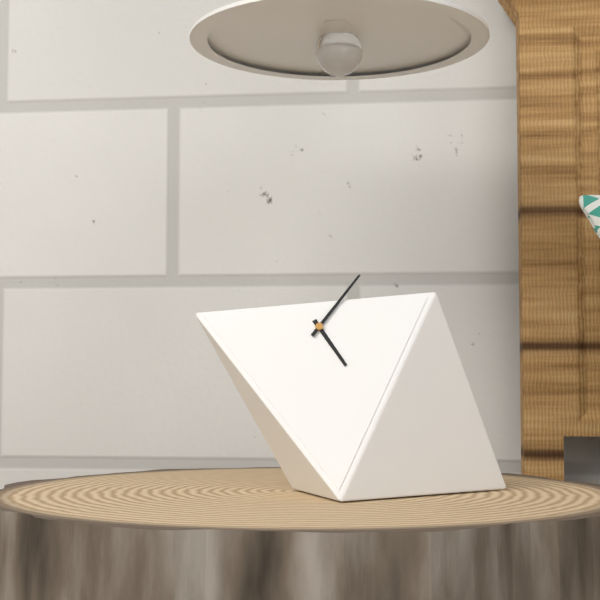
5.07
